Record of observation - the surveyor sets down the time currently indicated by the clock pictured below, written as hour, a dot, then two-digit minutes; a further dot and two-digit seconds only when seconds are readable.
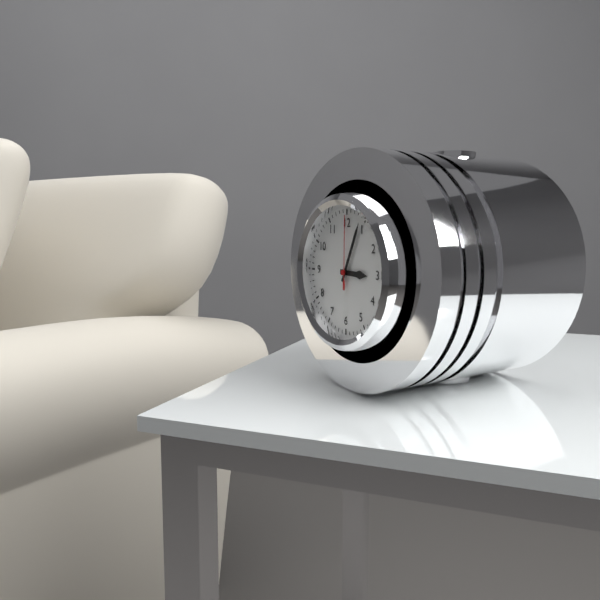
3.04.00
